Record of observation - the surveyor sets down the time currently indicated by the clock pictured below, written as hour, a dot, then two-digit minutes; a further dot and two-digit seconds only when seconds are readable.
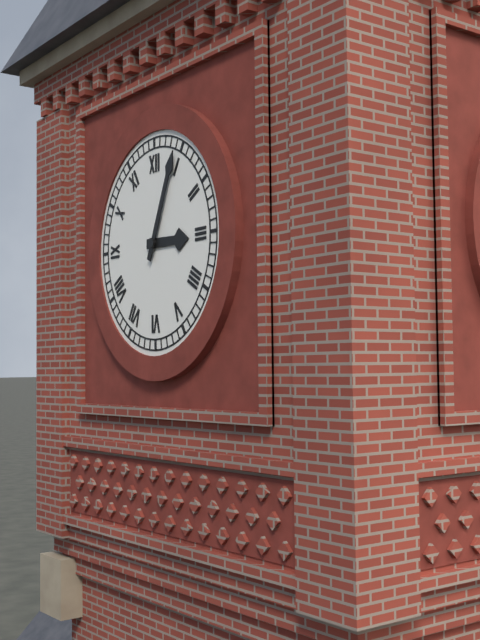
3.04
